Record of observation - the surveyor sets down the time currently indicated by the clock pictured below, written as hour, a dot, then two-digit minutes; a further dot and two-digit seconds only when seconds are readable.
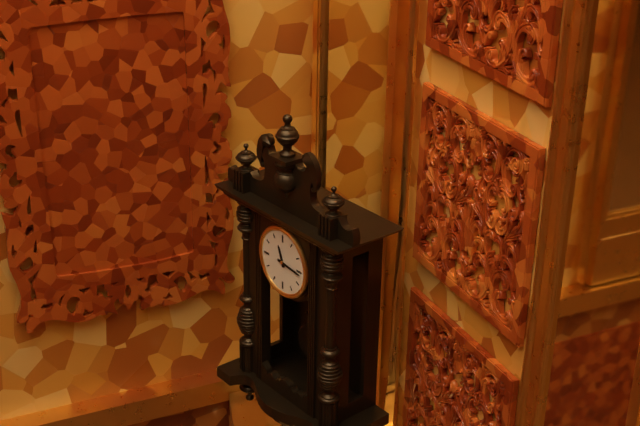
11.16
